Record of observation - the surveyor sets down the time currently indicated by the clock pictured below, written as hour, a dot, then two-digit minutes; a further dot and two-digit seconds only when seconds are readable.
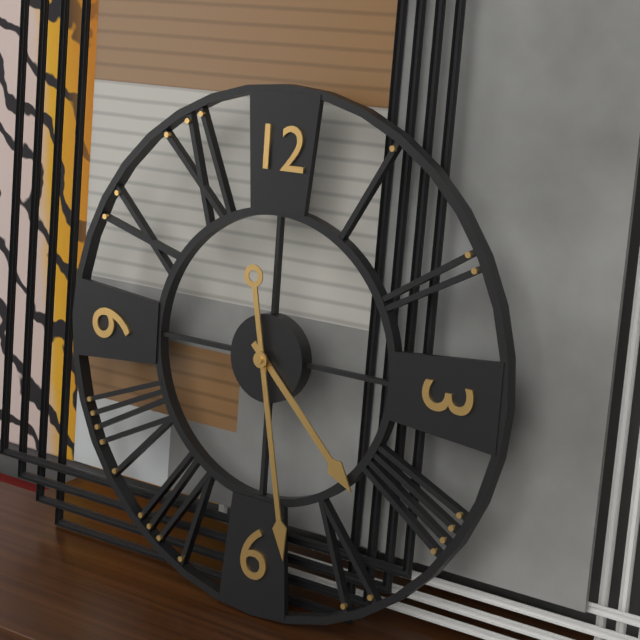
4.28
